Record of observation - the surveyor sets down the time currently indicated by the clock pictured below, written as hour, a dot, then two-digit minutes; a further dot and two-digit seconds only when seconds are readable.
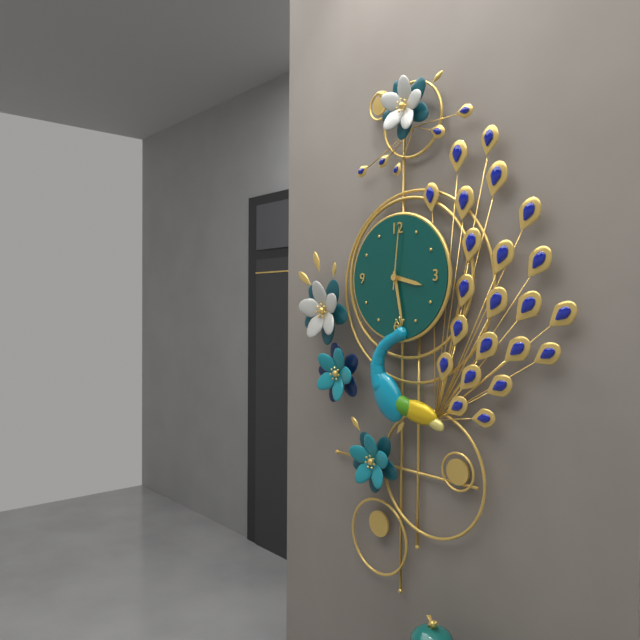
3.28.01
